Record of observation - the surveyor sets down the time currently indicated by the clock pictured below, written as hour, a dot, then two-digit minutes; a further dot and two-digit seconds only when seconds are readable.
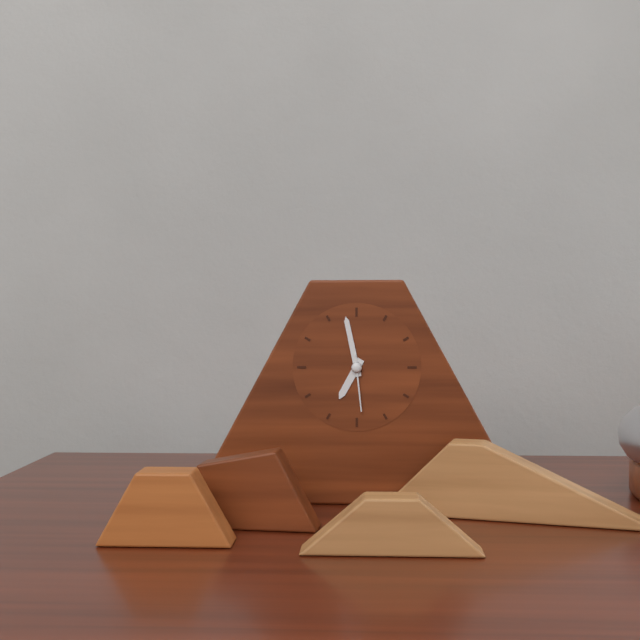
6.58.29
